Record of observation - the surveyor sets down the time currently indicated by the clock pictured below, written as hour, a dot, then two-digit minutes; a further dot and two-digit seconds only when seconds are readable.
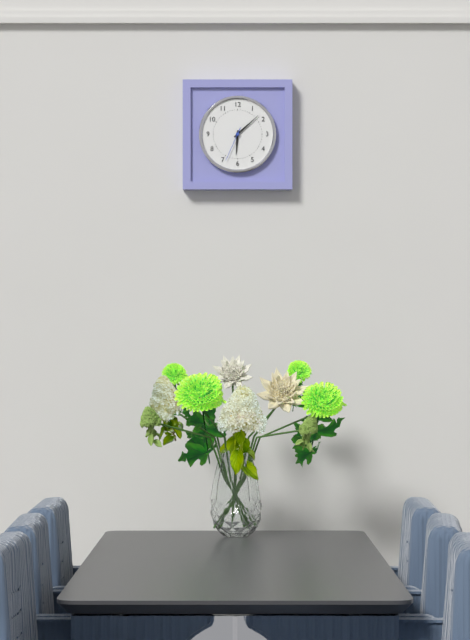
6.08
